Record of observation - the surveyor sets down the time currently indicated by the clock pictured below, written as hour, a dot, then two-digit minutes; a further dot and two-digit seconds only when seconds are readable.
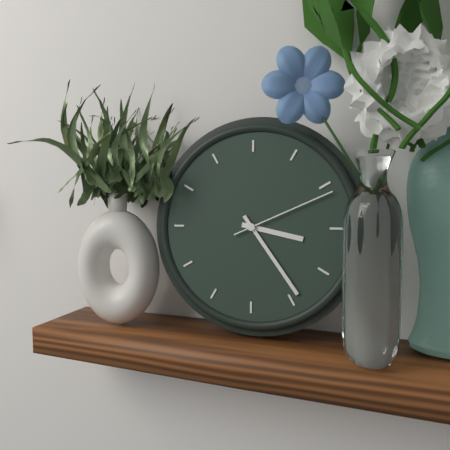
3.24.11
